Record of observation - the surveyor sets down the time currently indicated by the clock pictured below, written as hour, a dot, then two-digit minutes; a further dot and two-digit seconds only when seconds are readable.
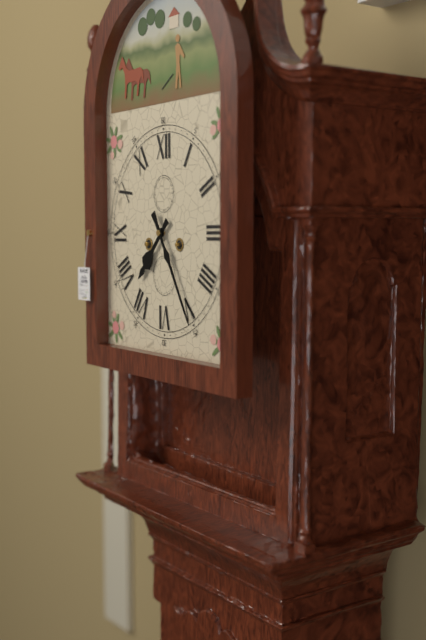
7.25
